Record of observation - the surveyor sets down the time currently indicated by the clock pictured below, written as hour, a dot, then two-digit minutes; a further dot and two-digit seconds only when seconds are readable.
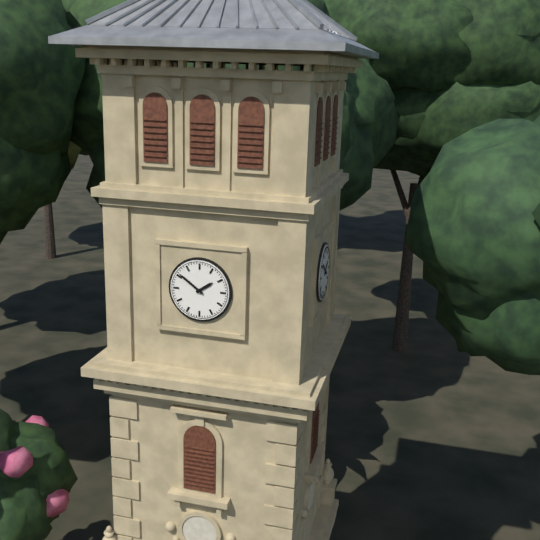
1.51
